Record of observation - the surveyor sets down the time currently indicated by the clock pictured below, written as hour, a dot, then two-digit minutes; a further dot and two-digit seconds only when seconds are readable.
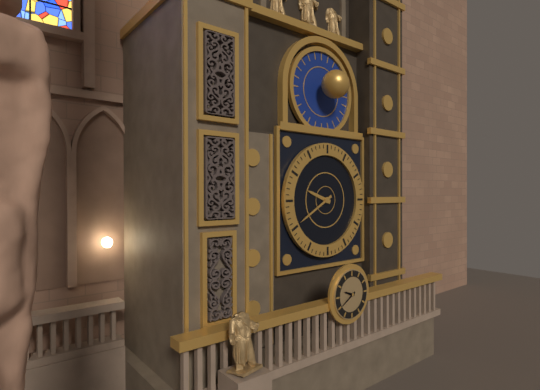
9.40
